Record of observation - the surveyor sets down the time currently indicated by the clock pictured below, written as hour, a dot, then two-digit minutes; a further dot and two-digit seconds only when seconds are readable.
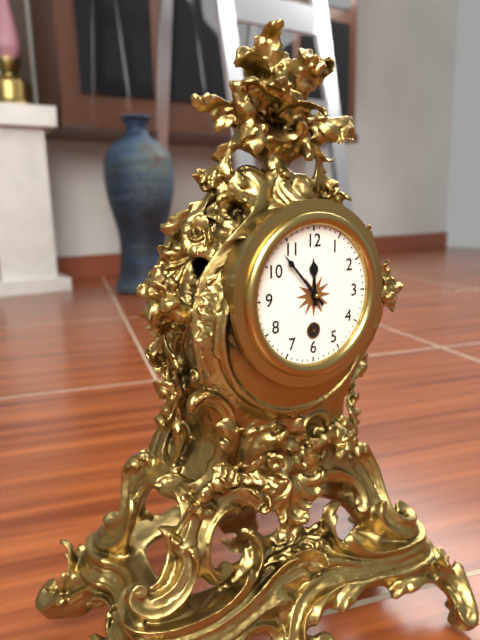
11.53
